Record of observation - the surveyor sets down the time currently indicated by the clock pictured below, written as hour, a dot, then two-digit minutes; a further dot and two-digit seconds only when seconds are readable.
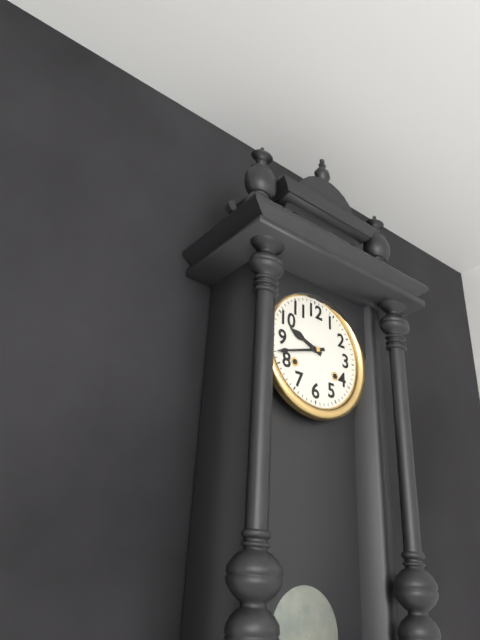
9.42
